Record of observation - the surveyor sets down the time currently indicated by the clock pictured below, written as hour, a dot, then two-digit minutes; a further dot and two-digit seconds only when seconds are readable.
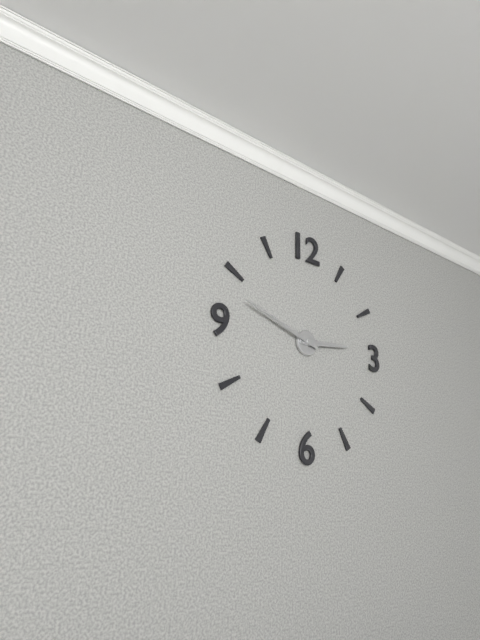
2.48
